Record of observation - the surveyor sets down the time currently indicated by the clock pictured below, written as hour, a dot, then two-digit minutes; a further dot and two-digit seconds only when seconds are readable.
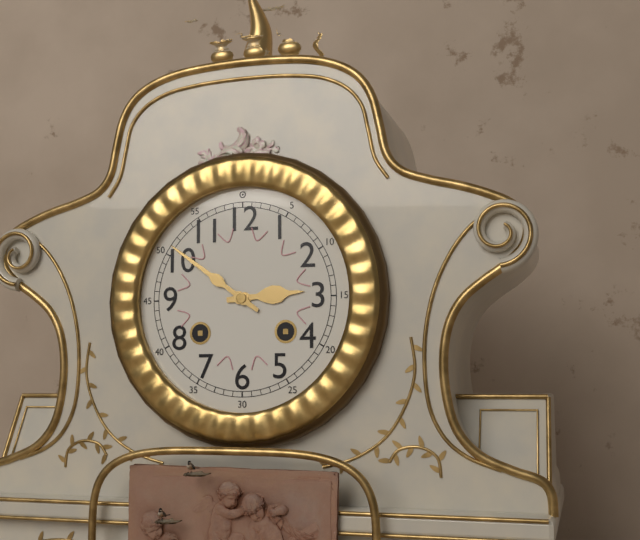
2.51
